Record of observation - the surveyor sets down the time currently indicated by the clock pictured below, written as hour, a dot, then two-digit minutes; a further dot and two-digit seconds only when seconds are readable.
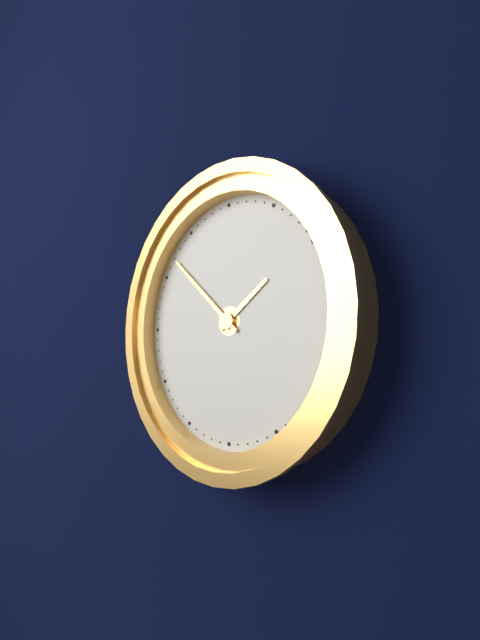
1.52
